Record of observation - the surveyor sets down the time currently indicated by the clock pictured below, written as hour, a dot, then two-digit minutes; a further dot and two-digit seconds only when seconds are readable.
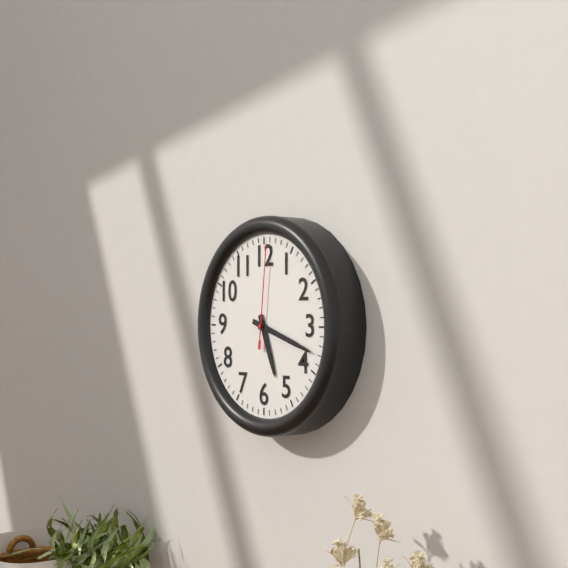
5.18.01
